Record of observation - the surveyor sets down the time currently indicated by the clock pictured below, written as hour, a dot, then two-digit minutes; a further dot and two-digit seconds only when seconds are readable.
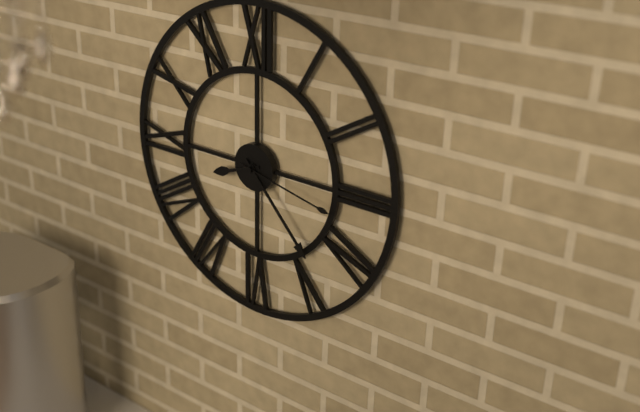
8.23.17
